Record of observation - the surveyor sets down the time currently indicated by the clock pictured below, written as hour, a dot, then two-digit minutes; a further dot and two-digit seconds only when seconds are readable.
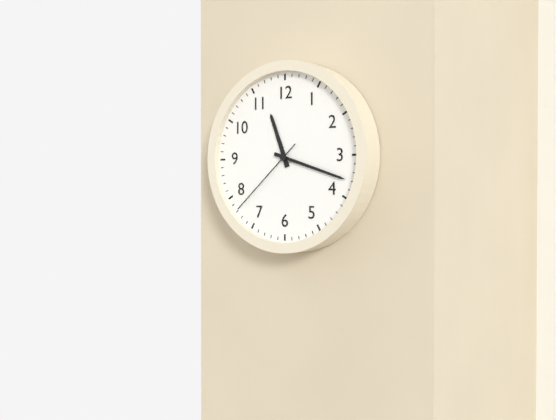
11.18.38
